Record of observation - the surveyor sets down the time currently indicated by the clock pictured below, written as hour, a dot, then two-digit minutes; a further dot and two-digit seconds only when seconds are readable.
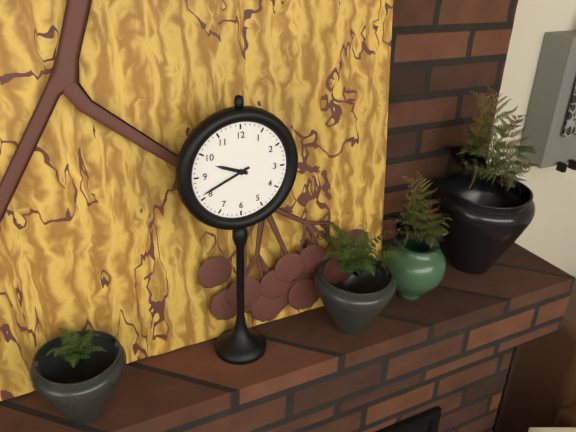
9.41
